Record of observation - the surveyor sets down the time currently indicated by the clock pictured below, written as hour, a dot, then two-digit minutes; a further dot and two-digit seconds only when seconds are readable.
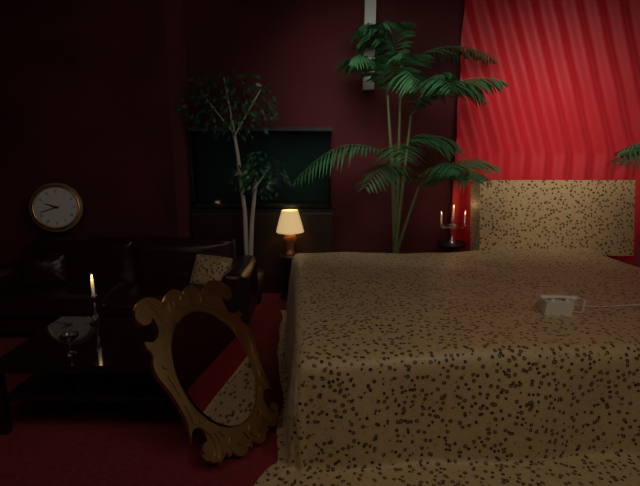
9.42
